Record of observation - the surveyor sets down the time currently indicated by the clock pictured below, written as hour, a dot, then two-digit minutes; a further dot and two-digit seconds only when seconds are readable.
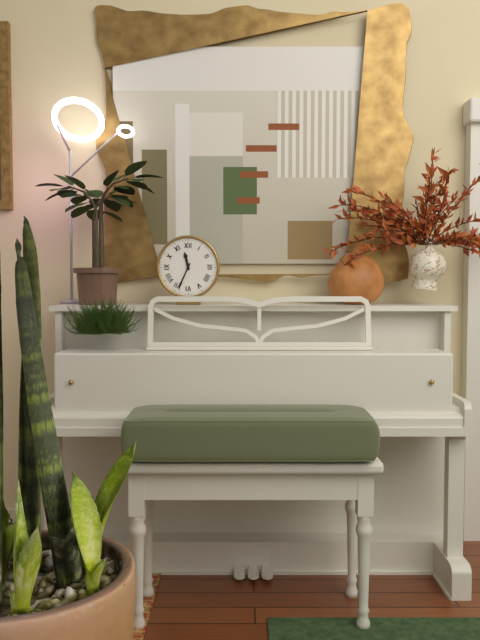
11.34
